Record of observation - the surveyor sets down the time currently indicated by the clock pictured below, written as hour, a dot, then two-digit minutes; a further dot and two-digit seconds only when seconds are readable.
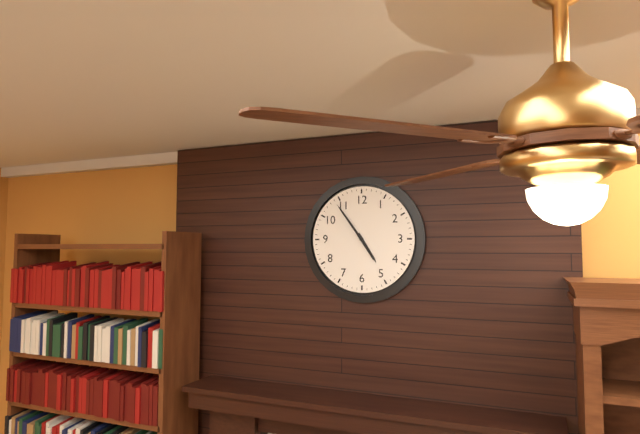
4.54
